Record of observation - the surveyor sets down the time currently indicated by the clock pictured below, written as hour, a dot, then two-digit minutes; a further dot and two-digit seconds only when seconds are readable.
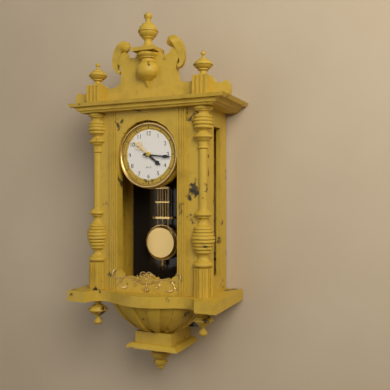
4.16
